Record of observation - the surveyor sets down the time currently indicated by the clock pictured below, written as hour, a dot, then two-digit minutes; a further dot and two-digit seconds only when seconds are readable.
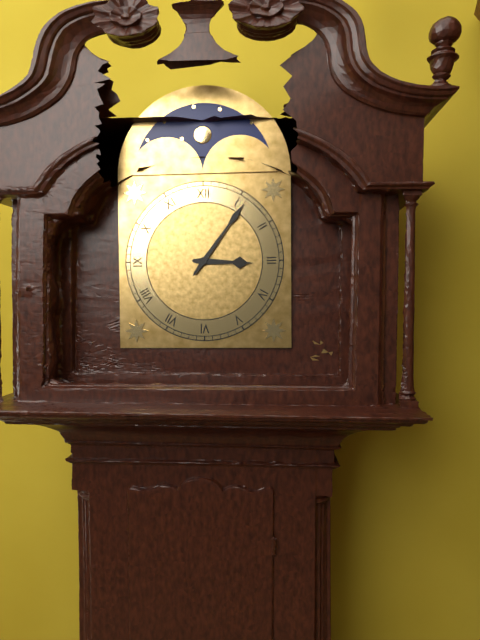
3.06
